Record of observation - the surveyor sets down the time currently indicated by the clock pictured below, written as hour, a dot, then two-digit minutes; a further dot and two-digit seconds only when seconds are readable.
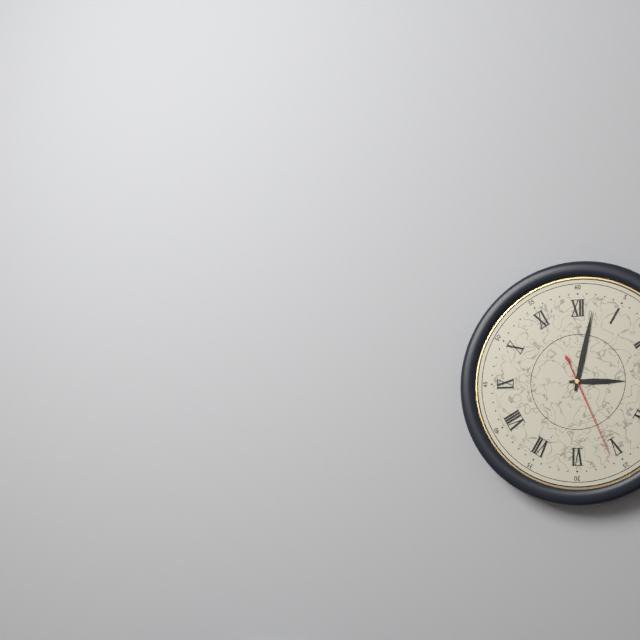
3.02.26
